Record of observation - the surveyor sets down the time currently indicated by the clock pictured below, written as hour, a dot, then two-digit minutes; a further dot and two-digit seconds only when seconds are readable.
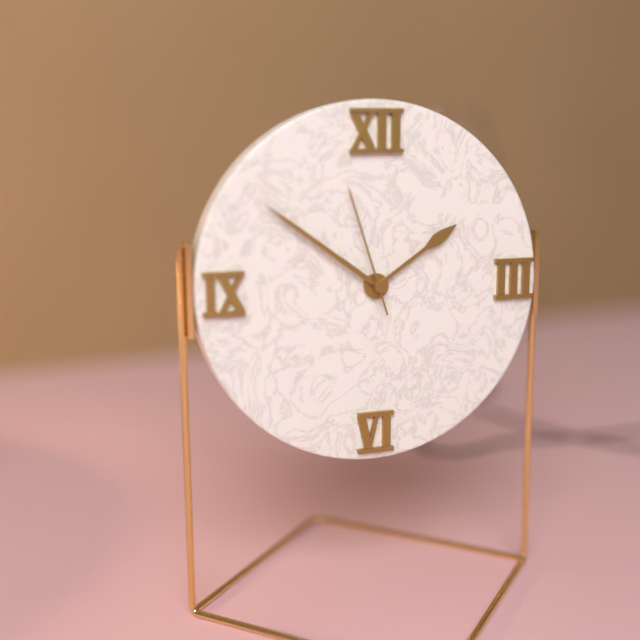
1.51.57
